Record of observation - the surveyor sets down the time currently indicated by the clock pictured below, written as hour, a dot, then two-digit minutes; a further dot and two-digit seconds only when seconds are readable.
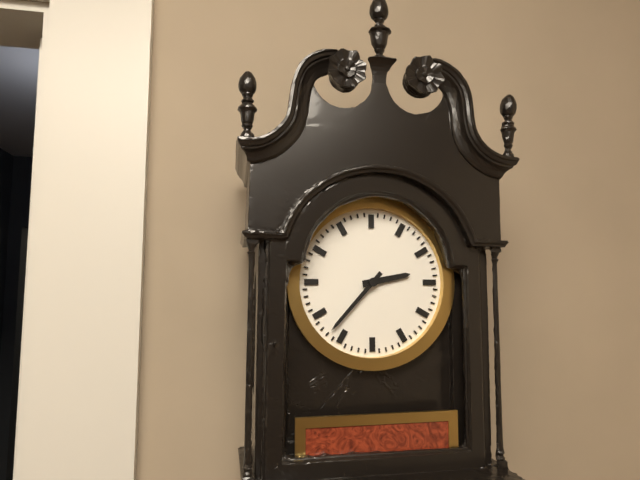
2.37
